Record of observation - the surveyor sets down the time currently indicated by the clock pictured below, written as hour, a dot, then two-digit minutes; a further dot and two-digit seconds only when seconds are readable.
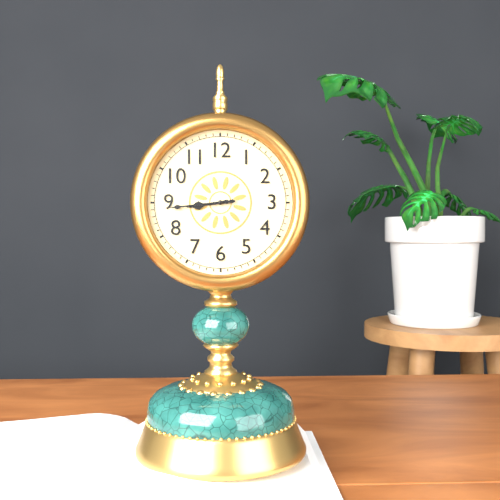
8.44
